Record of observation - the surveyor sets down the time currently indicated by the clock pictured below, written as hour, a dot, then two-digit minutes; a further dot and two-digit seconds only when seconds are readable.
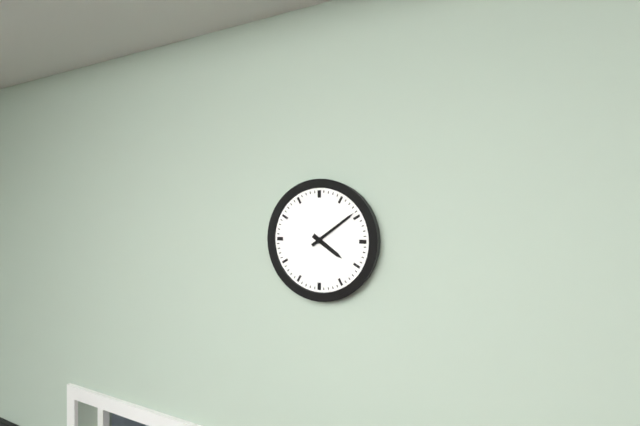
4.09
